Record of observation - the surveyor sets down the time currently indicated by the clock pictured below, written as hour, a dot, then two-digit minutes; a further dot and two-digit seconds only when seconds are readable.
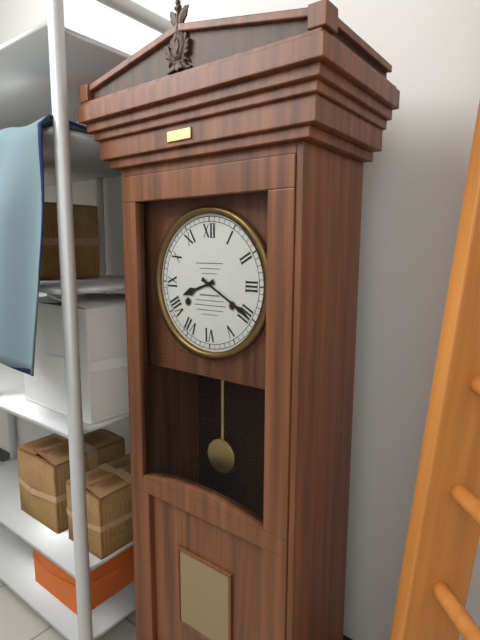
8.20
